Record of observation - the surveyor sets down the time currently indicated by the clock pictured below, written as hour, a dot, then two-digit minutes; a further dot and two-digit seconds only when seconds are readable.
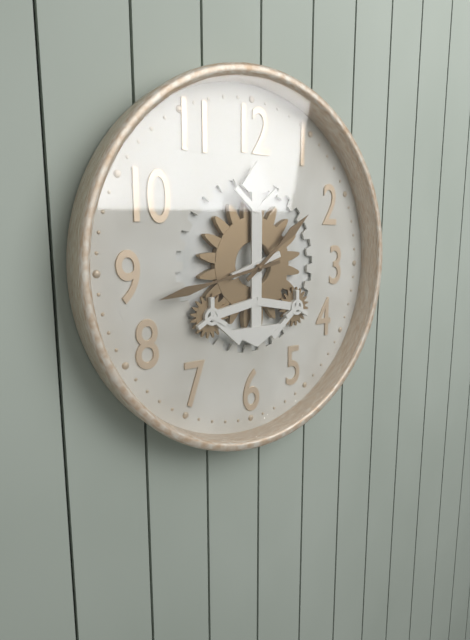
1.43
